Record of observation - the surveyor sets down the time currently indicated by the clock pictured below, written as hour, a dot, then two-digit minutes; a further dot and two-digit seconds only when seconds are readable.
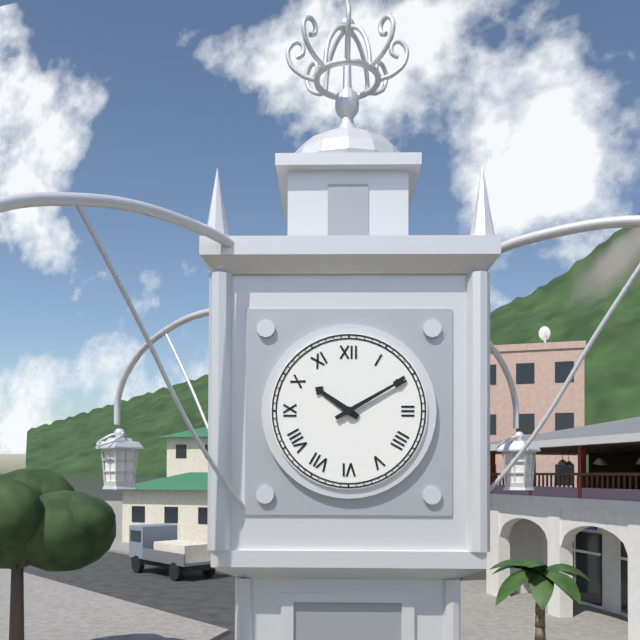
10.10
